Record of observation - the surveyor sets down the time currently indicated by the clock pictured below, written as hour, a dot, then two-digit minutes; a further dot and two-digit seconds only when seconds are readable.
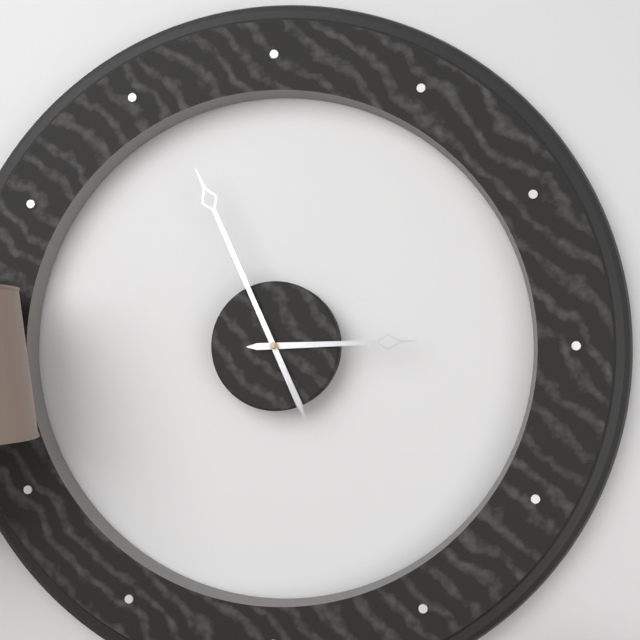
2.56
